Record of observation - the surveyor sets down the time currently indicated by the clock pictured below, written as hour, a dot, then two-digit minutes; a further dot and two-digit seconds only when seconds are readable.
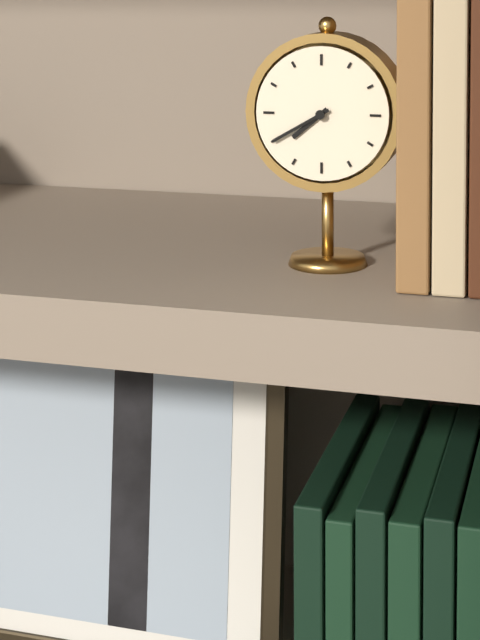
7.40
